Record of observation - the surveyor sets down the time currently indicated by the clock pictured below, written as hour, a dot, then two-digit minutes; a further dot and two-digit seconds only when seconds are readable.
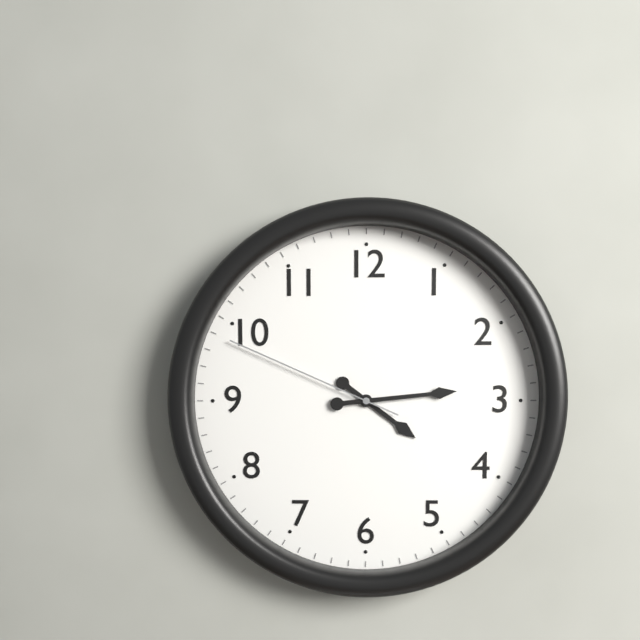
4.14.49
